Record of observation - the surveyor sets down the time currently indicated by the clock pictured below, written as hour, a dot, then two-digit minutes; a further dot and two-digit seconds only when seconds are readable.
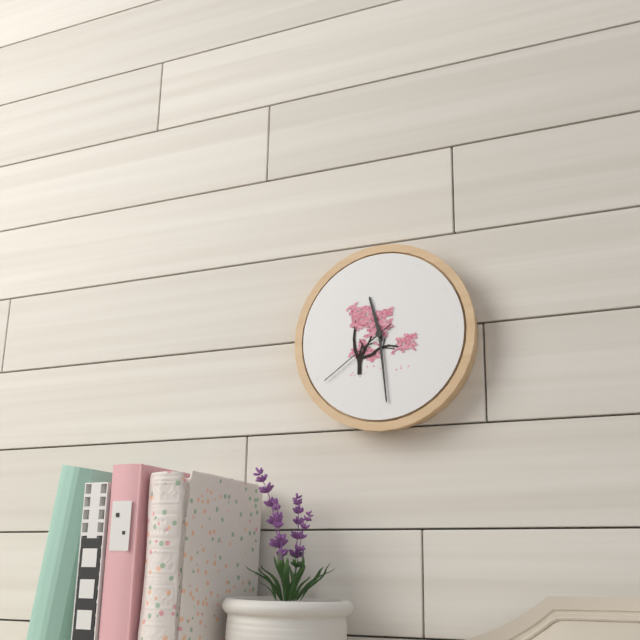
11.29.39
